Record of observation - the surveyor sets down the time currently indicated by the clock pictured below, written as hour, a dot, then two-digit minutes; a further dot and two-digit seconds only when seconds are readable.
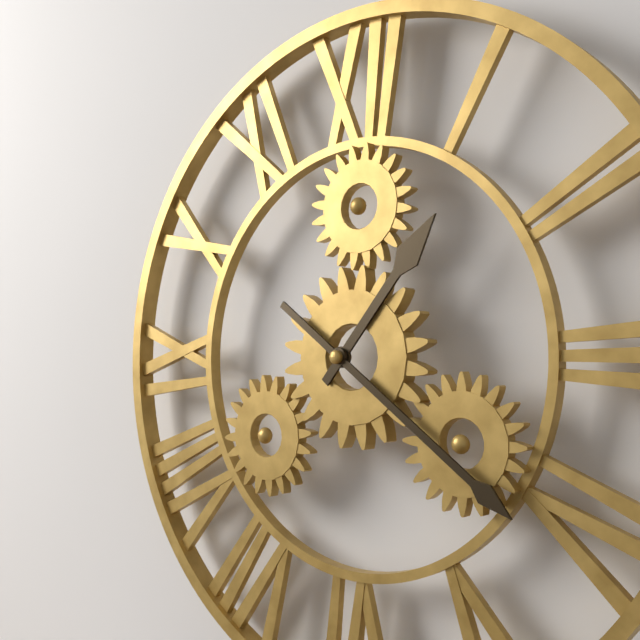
1.21
